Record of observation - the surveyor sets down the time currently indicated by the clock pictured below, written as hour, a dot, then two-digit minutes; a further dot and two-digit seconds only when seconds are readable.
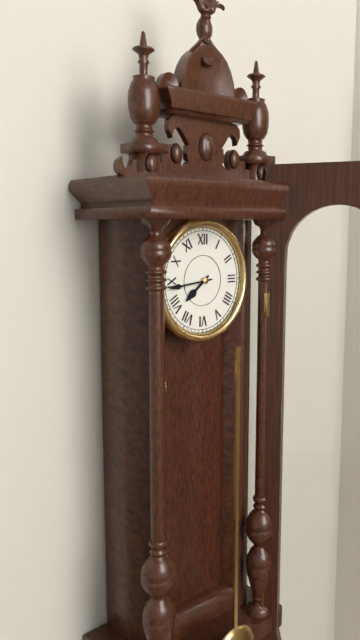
7.44
